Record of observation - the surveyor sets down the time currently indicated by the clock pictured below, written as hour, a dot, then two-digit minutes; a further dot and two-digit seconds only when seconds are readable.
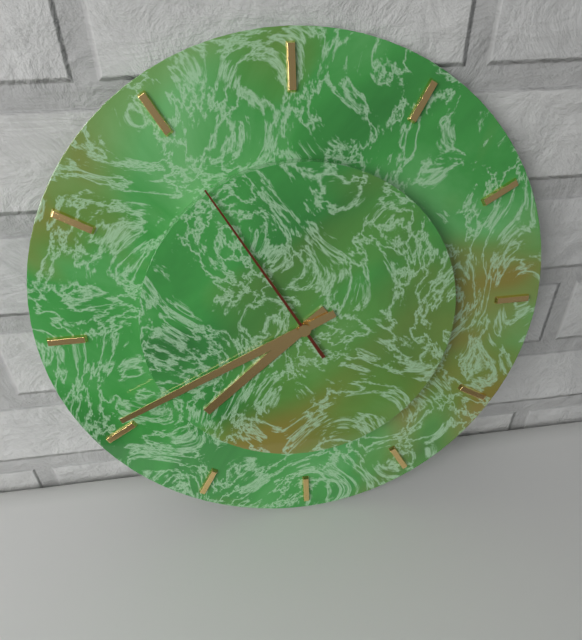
7.41.55
